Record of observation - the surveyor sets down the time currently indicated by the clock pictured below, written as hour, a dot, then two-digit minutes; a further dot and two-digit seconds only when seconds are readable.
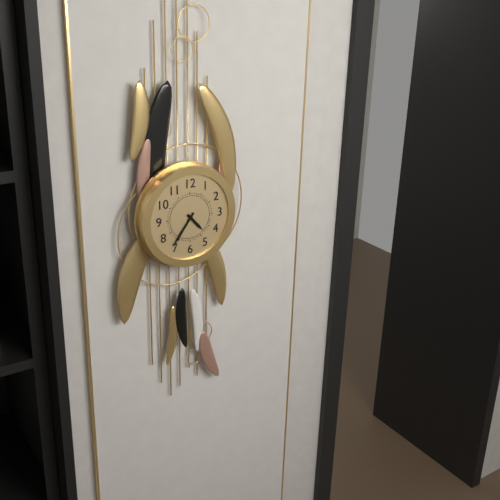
4.36
